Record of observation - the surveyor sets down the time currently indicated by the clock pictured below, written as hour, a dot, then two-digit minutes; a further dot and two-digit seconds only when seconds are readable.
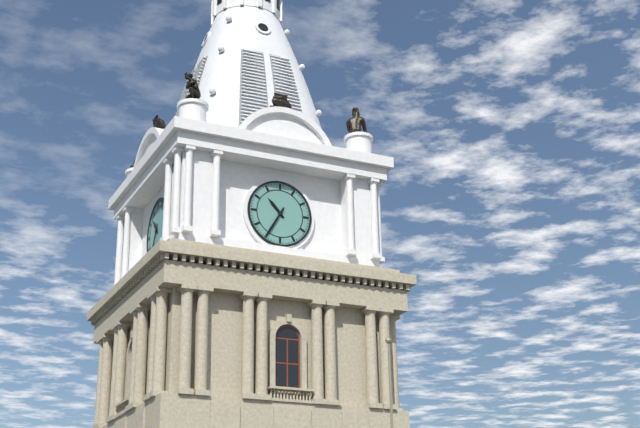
10.35
